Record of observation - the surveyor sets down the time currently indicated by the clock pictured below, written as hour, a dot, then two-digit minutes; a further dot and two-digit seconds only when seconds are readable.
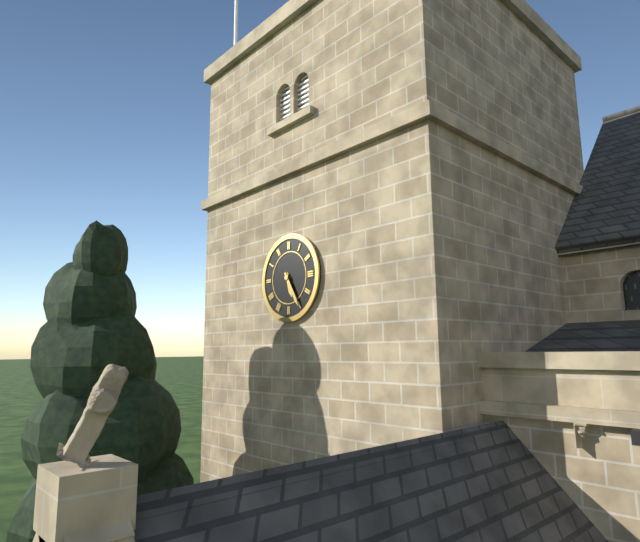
5.25
